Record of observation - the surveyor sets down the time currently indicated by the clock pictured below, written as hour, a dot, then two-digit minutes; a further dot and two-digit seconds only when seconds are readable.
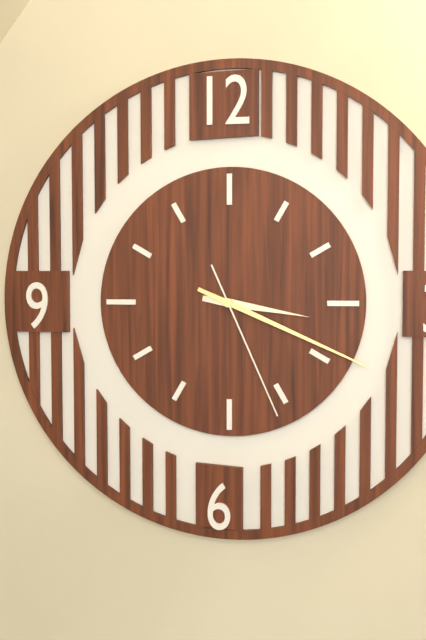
3.19.26
